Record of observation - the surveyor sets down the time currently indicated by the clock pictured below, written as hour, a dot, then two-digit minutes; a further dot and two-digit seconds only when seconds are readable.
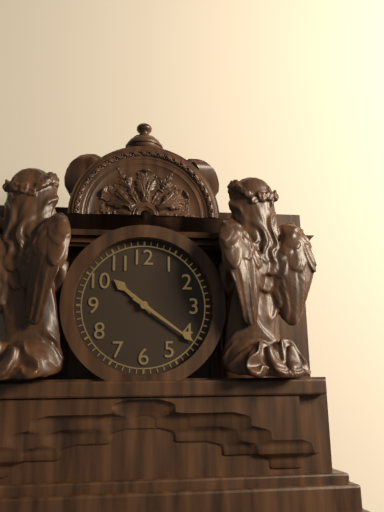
10.21
